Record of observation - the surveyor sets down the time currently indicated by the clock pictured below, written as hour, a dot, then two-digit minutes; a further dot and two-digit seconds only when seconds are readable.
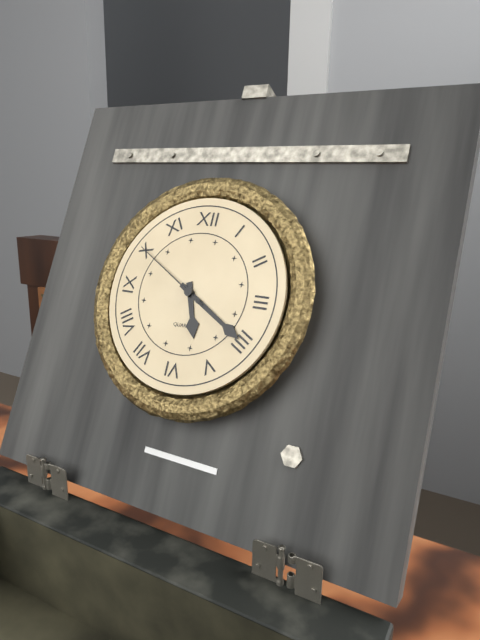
5.20.50
